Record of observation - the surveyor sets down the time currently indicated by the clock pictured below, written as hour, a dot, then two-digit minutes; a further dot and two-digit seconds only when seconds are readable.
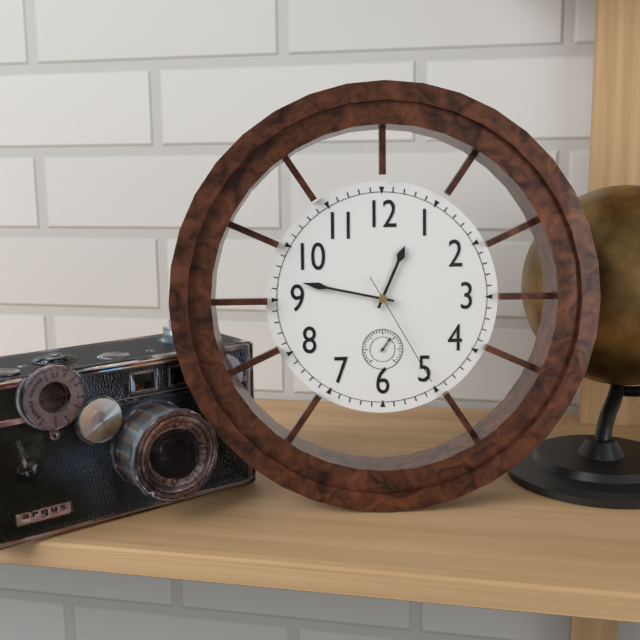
12.47.25
